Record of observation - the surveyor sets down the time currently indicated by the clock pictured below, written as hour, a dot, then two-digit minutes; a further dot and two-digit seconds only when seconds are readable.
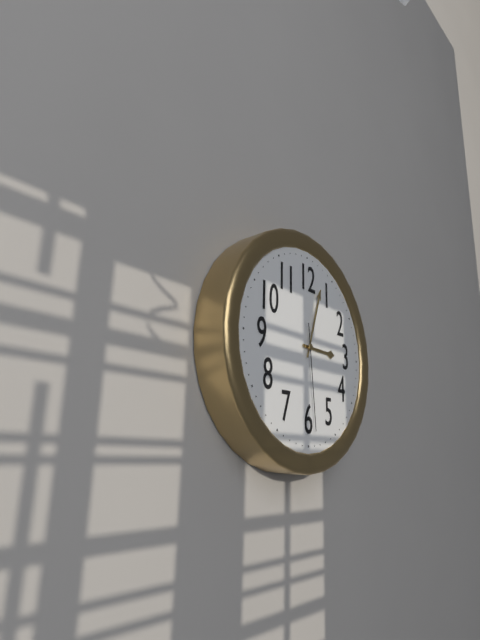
3.03.29
